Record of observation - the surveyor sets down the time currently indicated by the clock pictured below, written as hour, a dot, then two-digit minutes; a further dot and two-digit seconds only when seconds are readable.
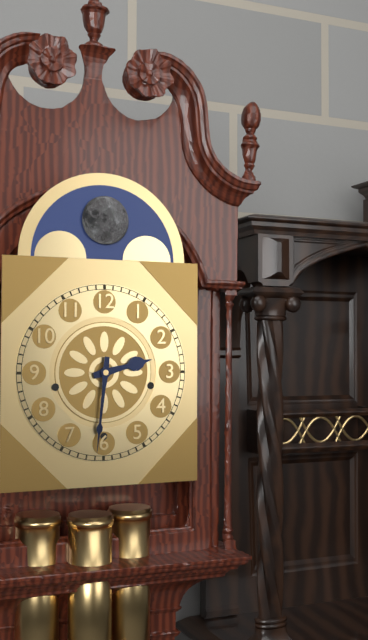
2.31
